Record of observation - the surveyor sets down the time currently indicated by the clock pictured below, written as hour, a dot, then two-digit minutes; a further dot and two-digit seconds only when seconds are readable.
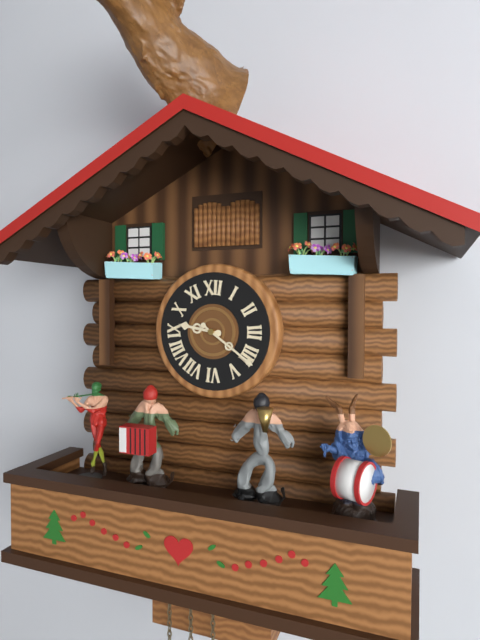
9.21
